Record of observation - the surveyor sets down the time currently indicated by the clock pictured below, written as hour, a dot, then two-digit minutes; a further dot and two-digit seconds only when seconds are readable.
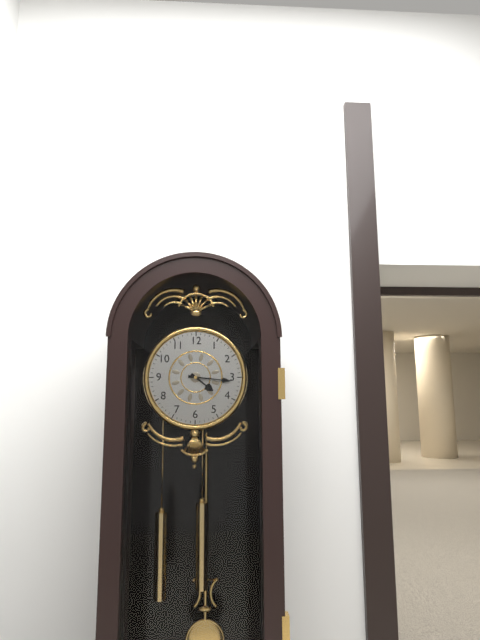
4.16
